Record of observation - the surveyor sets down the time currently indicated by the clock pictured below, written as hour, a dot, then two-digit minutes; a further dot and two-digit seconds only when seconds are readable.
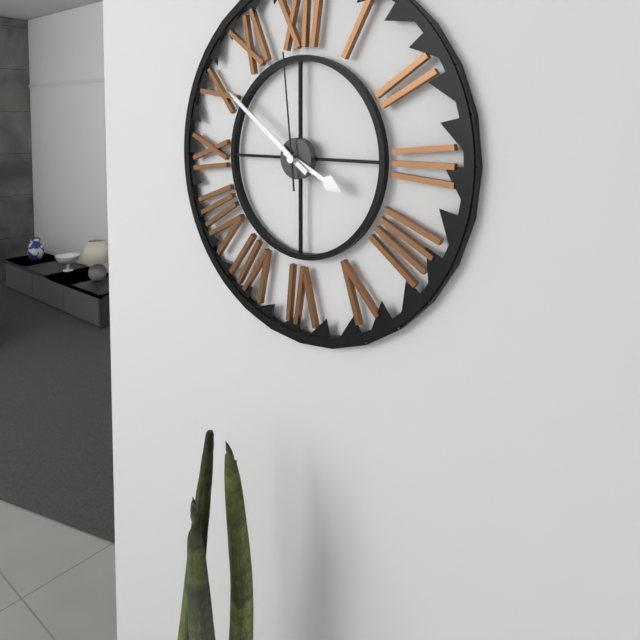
3.51.59
